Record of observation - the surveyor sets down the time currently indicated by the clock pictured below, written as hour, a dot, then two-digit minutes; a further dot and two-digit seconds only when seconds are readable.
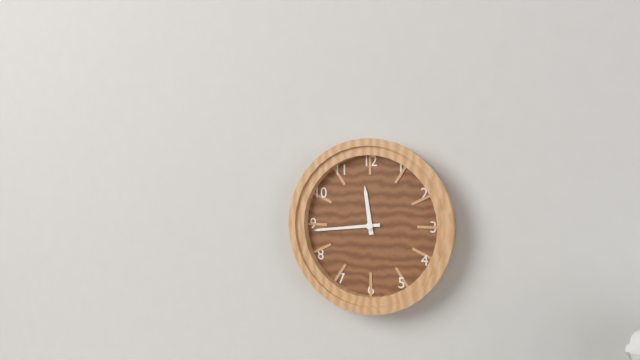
11.44
